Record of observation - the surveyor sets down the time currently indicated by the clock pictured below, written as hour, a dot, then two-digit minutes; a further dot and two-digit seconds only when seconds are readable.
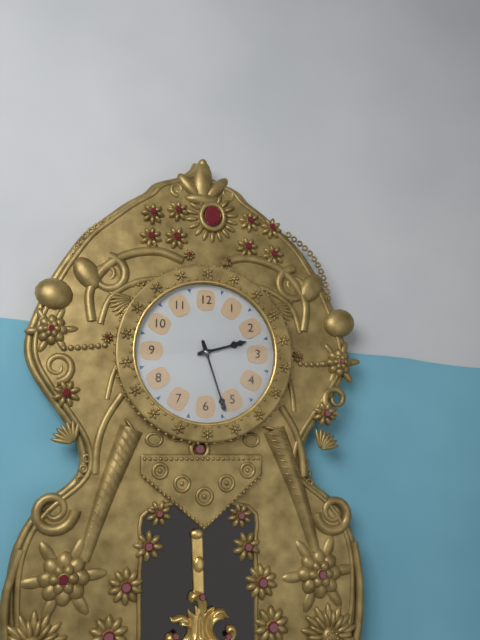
2.27
